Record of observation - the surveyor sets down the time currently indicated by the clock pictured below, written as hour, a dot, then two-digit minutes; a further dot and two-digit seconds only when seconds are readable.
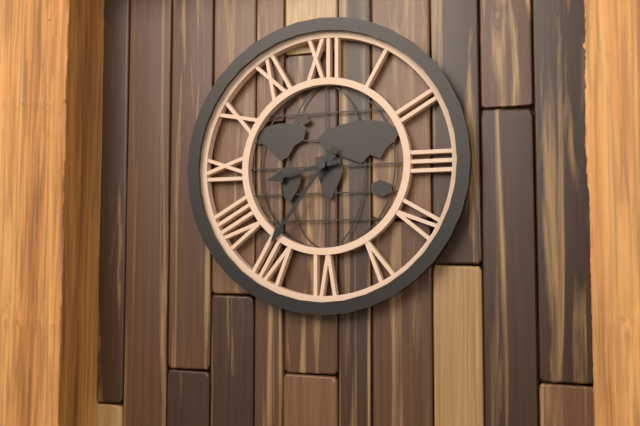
8.36
